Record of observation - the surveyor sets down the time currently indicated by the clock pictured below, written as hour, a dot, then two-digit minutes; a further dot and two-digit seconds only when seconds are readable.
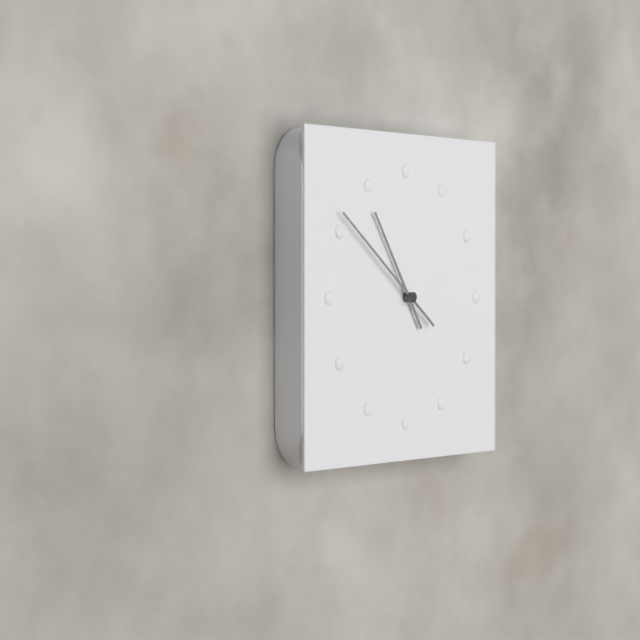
10.51
